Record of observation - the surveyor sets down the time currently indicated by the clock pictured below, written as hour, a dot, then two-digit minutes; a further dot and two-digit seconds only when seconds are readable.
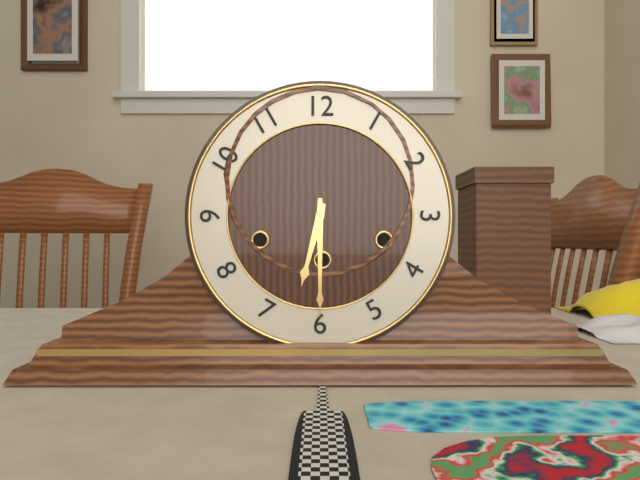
6.30
